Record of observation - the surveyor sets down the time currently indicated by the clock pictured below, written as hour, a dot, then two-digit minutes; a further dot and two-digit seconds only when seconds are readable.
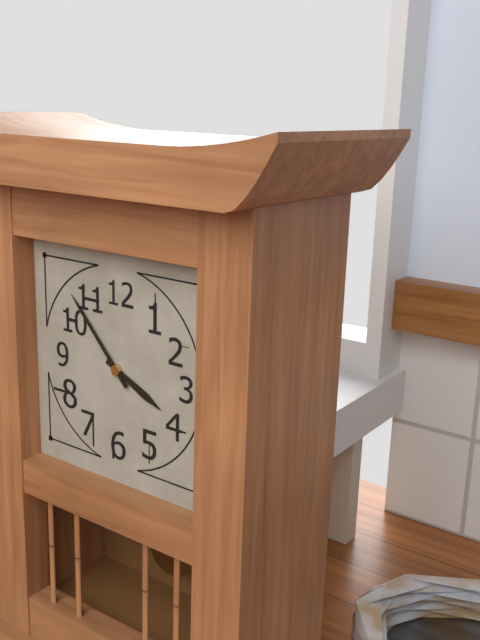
3.53
